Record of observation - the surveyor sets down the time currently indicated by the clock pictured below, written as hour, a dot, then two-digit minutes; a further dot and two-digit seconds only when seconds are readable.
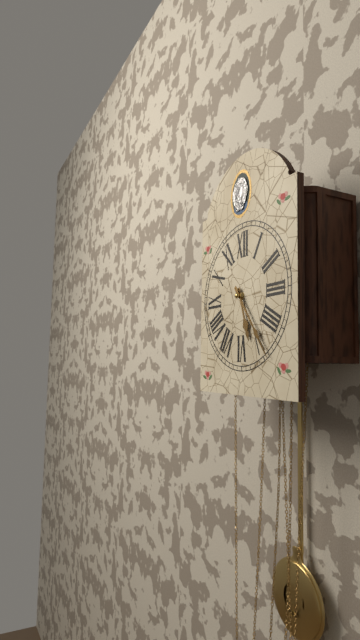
5.24
